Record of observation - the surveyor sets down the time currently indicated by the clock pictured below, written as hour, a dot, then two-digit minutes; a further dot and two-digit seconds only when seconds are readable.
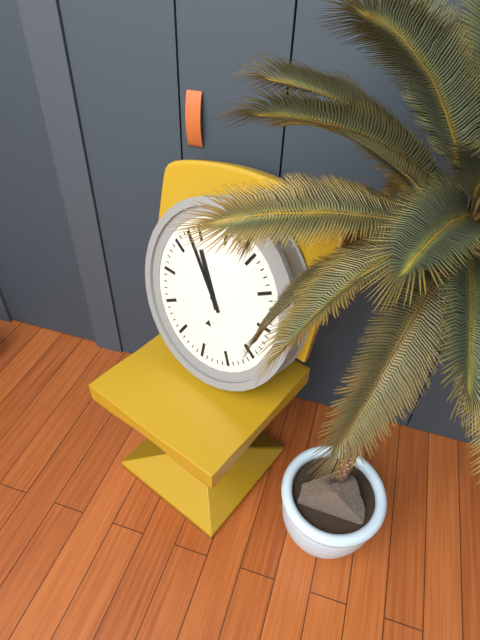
10.53
